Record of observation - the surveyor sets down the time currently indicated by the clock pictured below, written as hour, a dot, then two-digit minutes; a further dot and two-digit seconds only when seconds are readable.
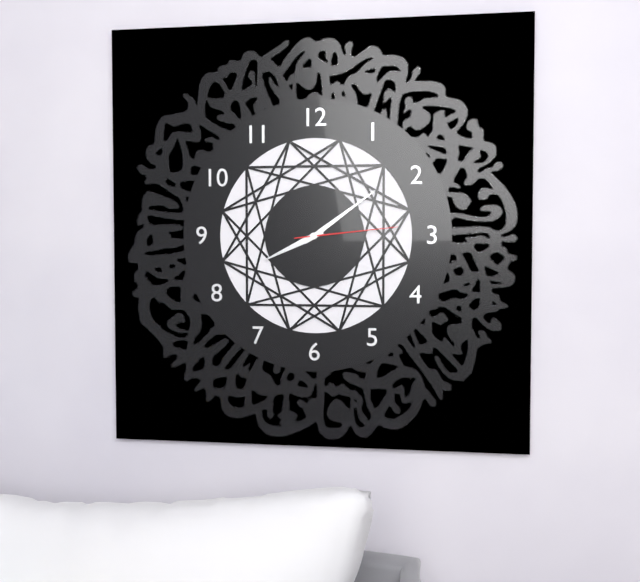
8.09.14
